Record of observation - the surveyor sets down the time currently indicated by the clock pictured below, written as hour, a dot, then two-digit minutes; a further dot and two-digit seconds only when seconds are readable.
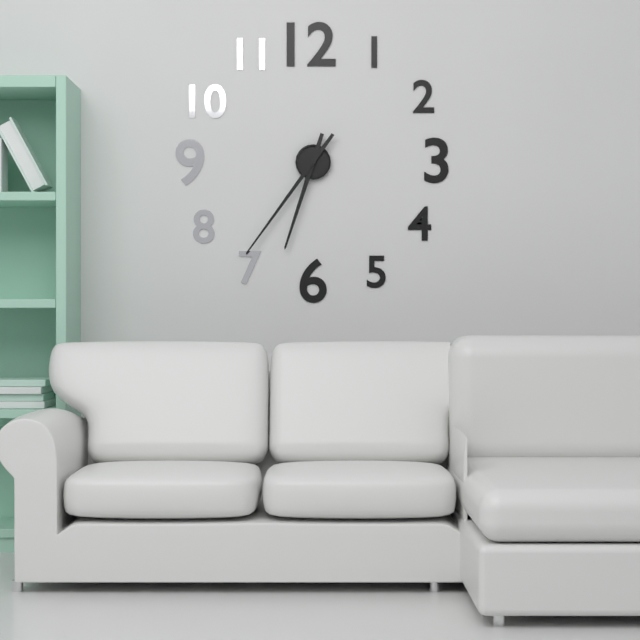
6.36
